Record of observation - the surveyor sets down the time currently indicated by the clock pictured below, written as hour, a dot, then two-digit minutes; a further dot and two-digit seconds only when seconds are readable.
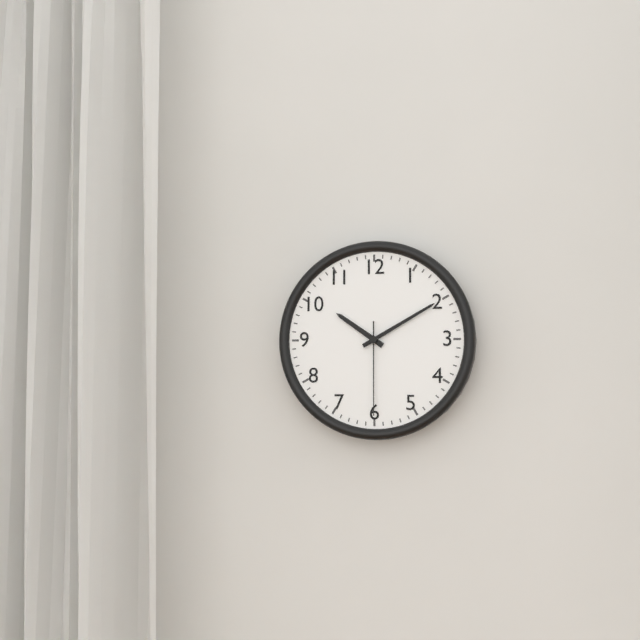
10.10.30
